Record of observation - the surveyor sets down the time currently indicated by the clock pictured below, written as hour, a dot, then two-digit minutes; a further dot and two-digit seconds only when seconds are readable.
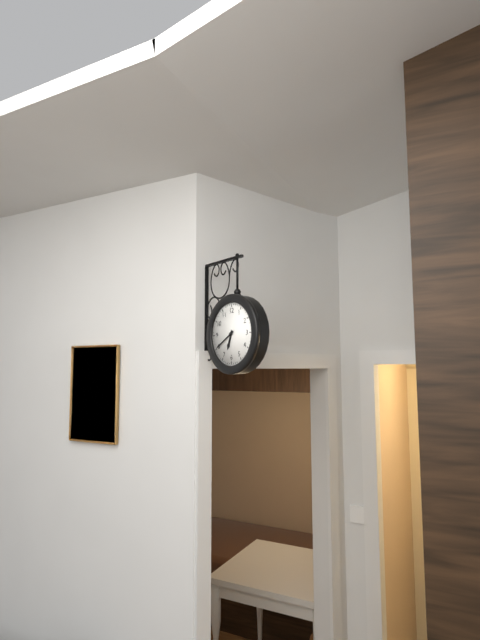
6.40
